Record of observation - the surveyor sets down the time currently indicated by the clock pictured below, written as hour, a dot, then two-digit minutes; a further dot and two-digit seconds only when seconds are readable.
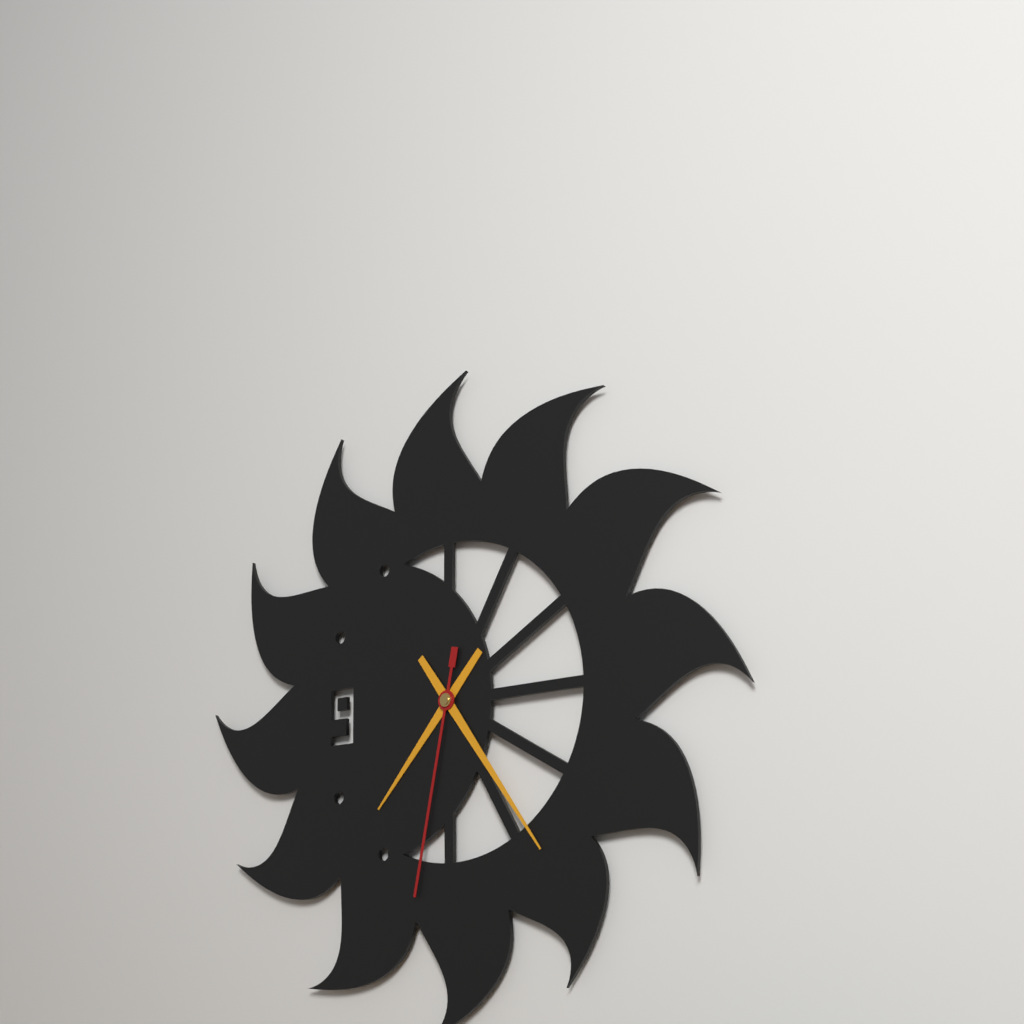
7.24.32
